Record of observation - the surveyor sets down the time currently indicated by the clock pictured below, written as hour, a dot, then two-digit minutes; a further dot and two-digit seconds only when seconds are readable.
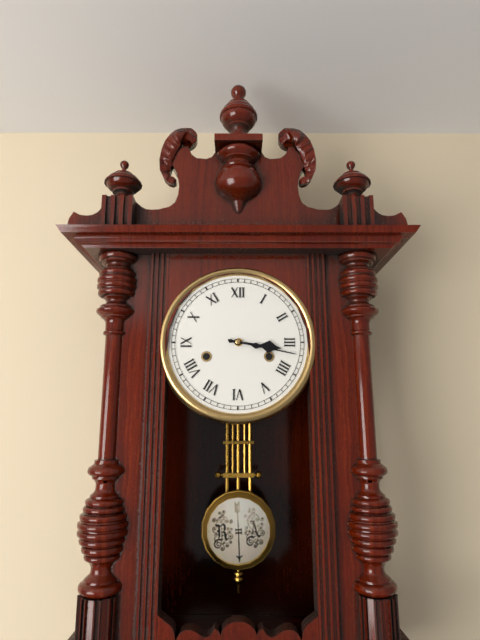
3.17
